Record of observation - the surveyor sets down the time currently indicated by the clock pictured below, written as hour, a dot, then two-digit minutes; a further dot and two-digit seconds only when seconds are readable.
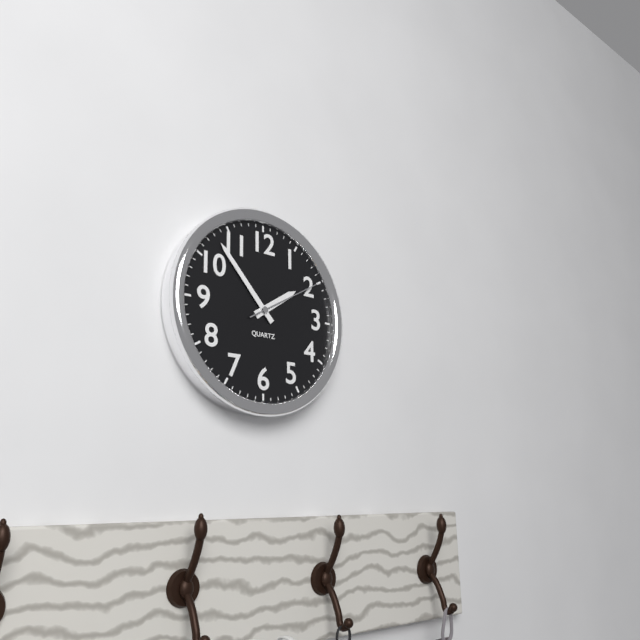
1.53.10
